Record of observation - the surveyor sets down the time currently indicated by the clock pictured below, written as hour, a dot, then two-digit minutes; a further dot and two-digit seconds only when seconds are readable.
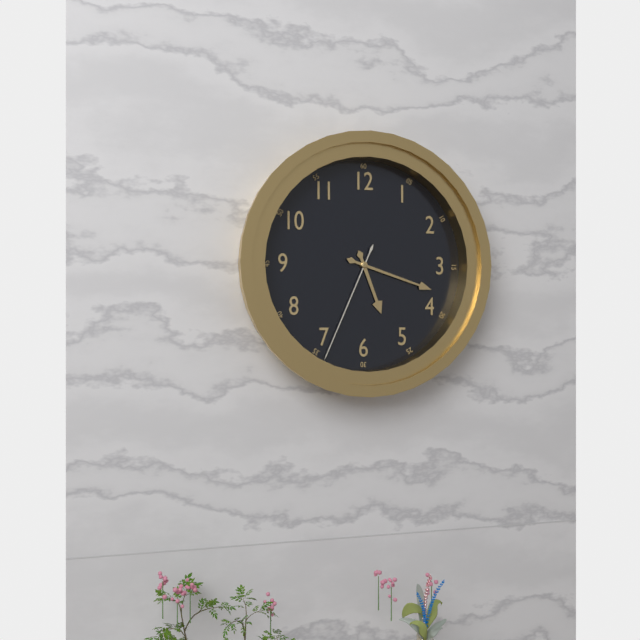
5.18.34
